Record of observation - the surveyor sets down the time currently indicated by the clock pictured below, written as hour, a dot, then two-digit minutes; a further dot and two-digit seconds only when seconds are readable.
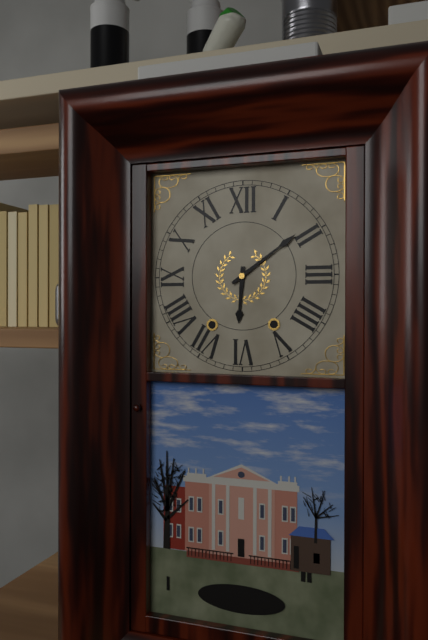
6.09
